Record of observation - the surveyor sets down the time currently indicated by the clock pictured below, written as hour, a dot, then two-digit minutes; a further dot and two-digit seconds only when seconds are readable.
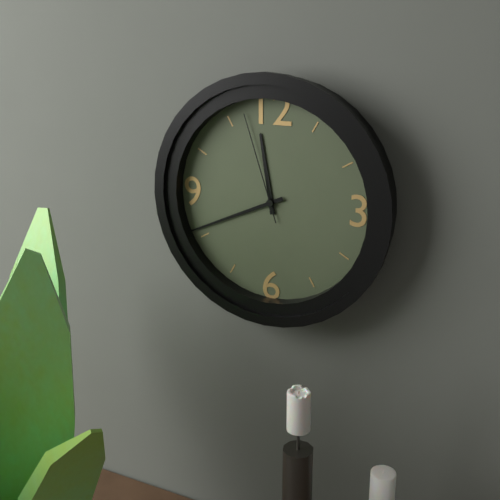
11.41.57
